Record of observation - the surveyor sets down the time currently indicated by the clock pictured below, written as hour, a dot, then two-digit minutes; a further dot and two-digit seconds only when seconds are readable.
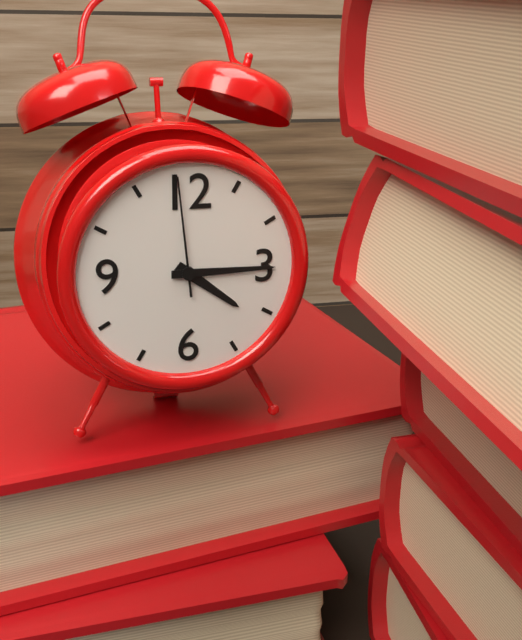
4.15.59
